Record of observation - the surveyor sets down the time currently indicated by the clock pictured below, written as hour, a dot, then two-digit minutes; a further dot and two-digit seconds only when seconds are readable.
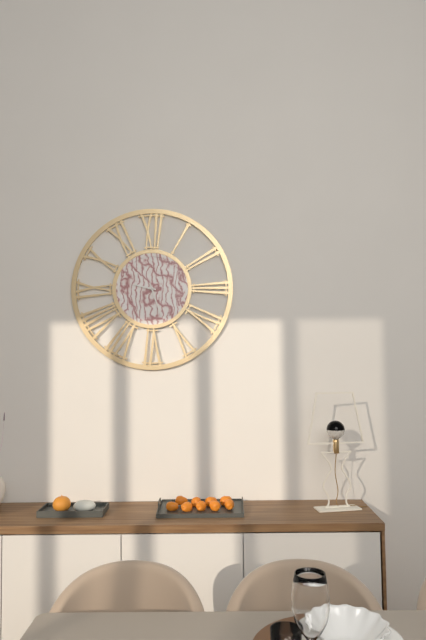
9.27
